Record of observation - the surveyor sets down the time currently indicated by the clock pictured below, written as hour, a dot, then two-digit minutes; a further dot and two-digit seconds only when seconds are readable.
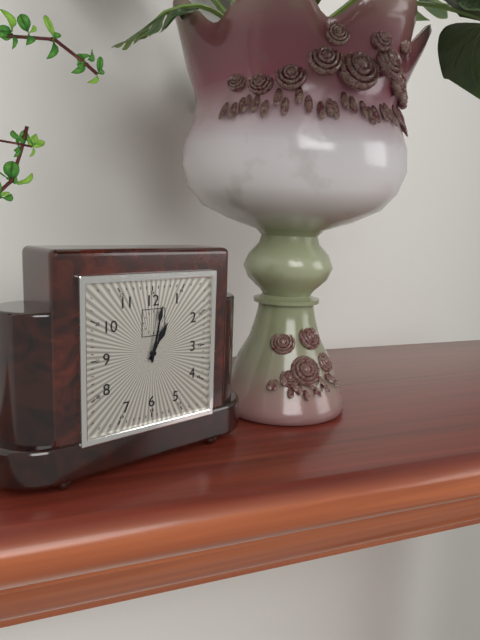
1.02
